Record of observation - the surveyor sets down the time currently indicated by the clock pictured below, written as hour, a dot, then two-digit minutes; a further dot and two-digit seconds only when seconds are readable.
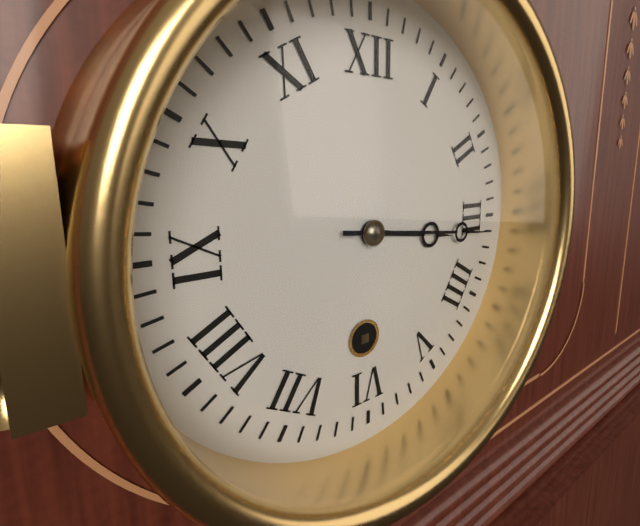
3.16
